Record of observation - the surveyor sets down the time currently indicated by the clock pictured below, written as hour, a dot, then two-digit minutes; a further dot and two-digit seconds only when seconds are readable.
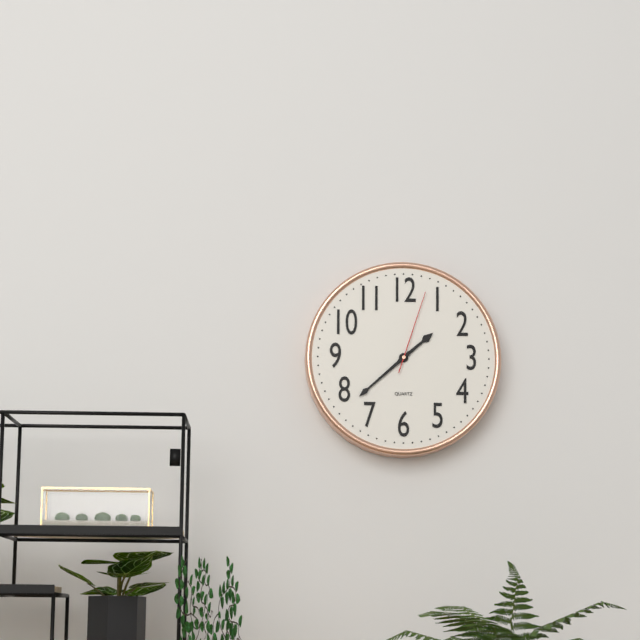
1.38.03
